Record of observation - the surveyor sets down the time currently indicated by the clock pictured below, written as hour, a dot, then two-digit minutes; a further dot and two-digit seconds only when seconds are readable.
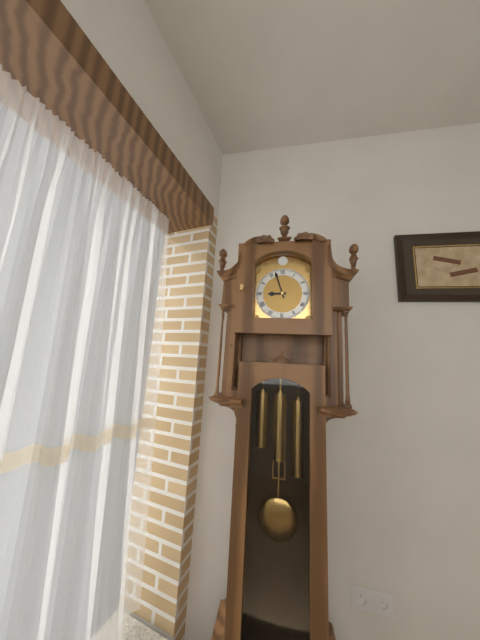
8.57
